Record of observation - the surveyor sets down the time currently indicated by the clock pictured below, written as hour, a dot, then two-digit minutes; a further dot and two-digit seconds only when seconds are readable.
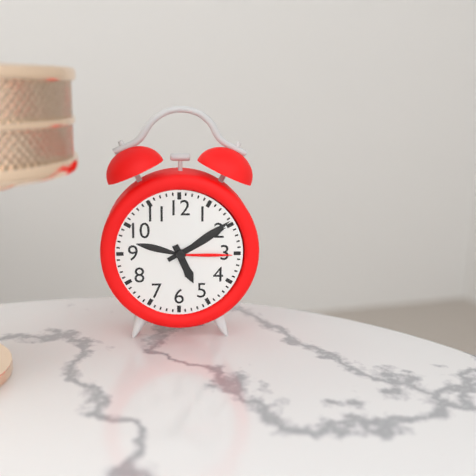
5.10
